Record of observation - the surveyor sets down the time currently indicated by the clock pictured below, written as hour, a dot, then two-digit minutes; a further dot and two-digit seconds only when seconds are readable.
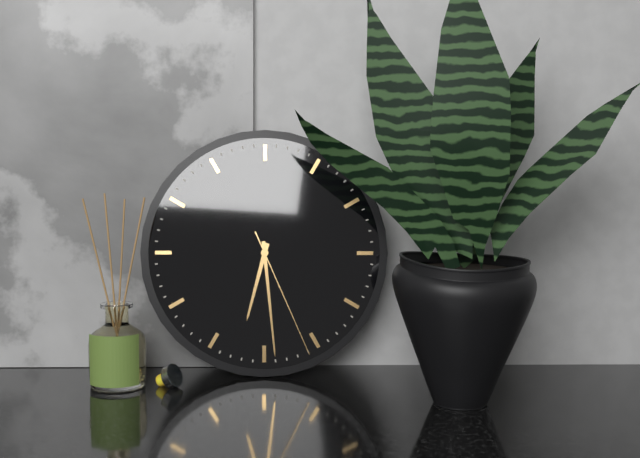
6.29.26
